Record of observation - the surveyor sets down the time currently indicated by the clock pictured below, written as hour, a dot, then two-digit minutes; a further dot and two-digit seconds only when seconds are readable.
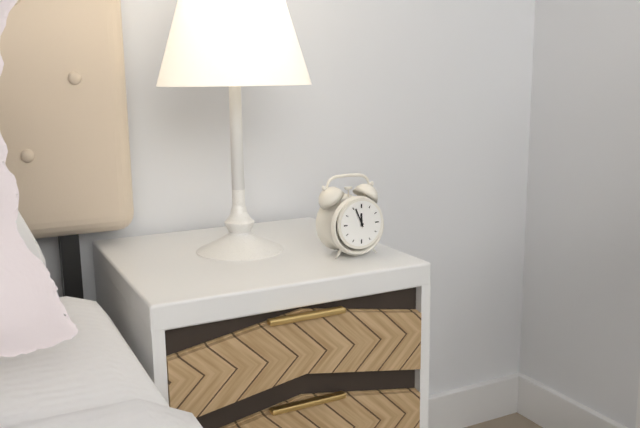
11.56
